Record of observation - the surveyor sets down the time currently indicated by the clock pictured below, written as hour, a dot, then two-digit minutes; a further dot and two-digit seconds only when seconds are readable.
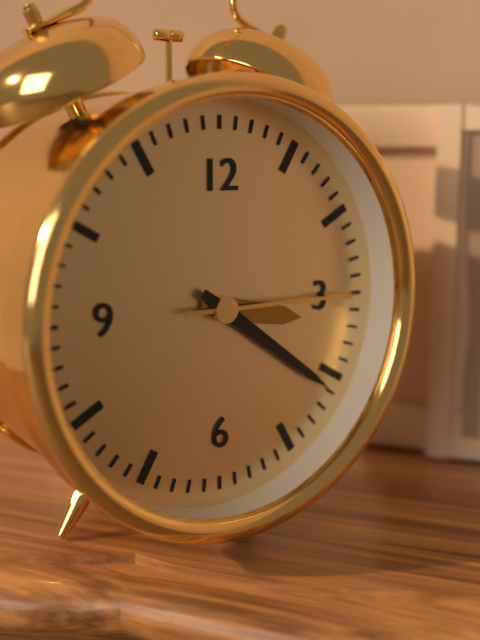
3.21.15
